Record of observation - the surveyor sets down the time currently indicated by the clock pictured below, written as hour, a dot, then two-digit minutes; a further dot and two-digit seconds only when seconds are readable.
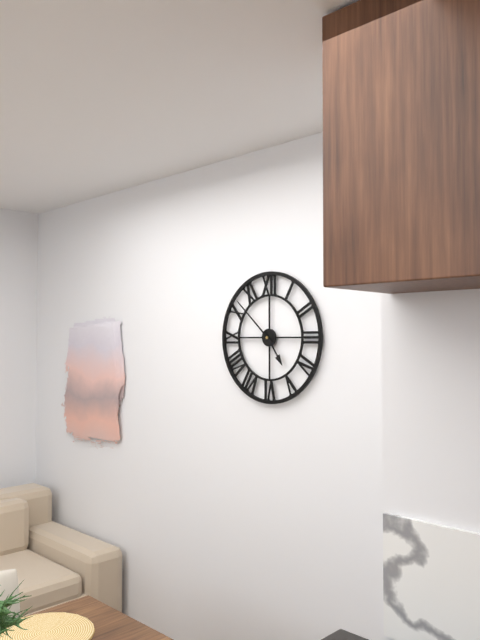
4.52
